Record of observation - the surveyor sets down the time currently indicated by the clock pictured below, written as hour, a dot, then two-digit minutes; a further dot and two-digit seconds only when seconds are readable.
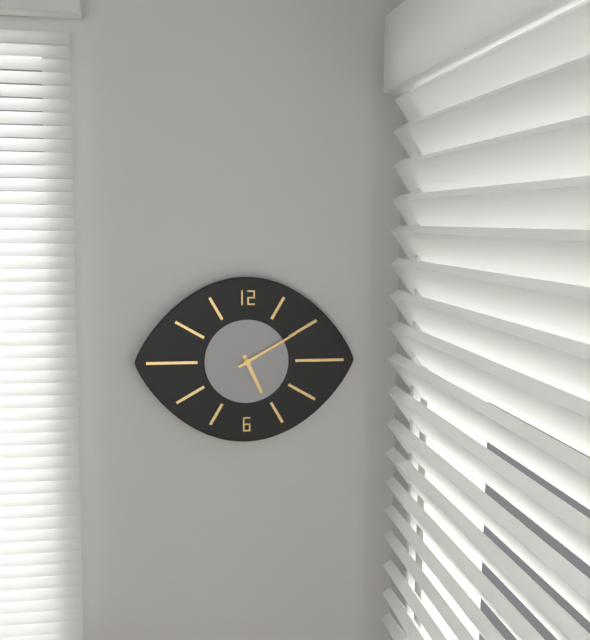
5.10
